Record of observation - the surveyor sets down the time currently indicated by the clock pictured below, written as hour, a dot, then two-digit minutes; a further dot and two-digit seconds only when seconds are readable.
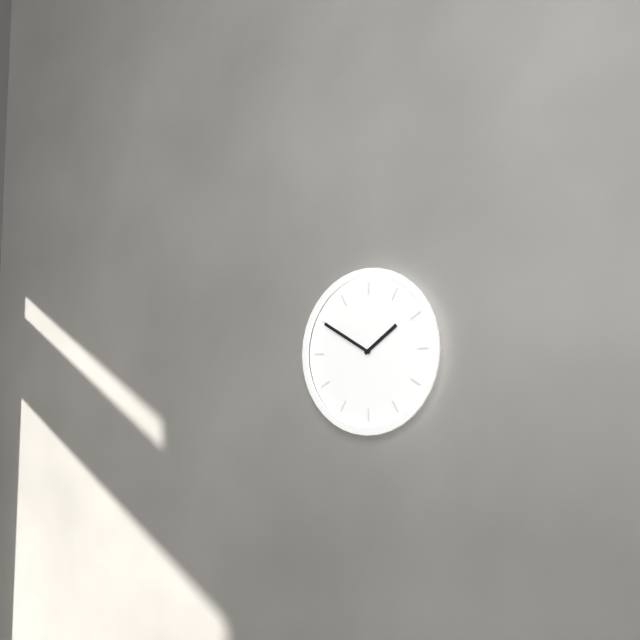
1.50
